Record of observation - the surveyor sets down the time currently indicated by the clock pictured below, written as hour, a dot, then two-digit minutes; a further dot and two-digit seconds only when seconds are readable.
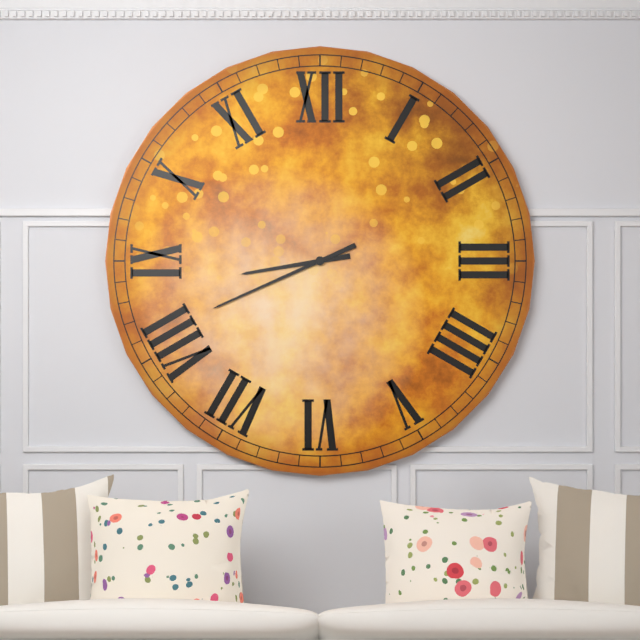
8.41
